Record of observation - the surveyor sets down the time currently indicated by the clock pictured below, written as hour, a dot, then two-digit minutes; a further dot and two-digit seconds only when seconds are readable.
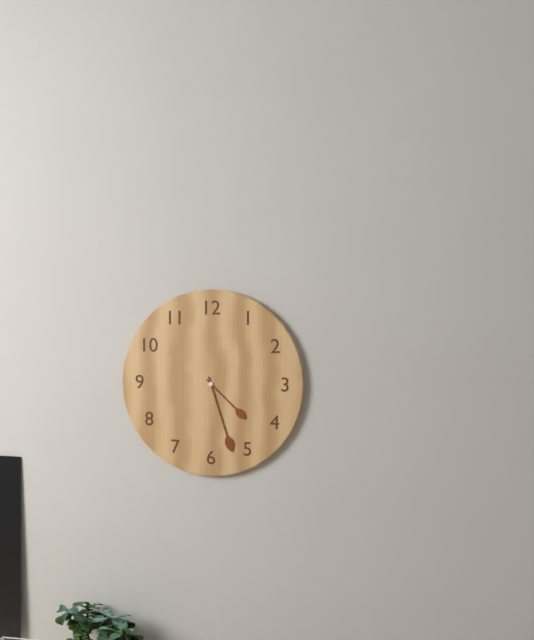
4.27
